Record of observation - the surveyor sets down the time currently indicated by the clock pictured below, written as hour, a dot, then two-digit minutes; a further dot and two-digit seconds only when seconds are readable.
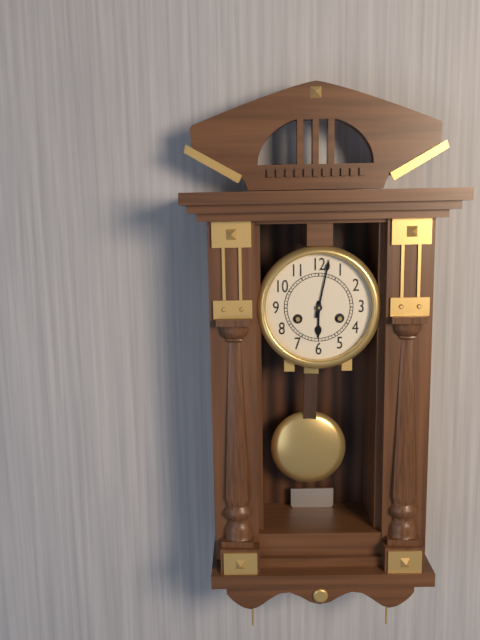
6.02
